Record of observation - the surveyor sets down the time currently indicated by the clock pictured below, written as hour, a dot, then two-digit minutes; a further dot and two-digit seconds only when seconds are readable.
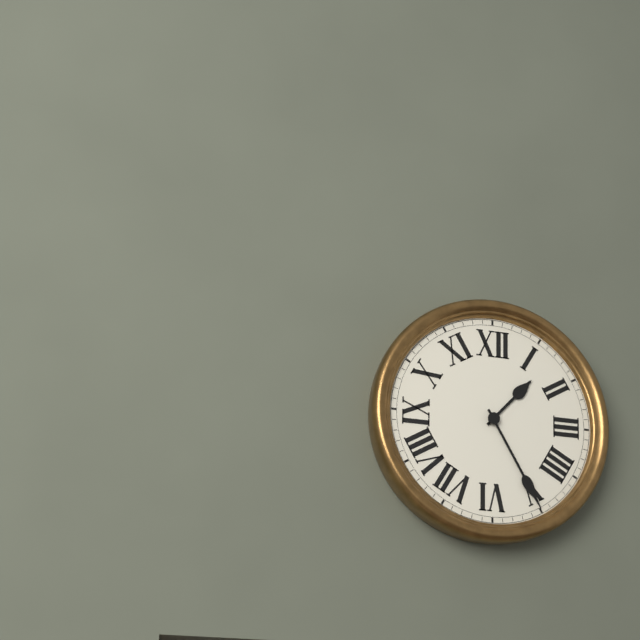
1.25
